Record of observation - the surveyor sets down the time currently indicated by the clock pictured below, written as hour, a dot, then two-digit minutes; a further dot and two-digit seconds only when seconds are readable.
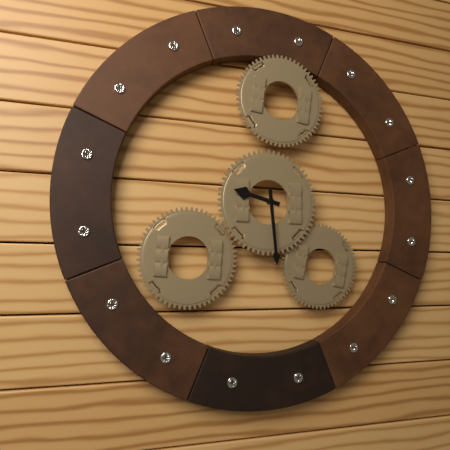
9.29
